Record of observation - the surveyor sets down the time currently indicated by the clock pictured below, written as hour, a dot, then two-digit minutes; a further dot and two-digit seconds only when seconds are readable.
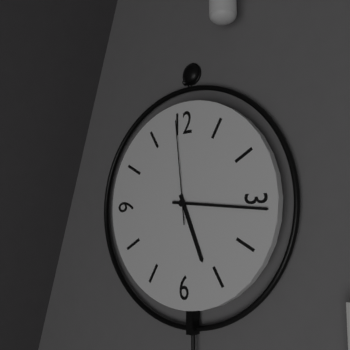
5.16.59
